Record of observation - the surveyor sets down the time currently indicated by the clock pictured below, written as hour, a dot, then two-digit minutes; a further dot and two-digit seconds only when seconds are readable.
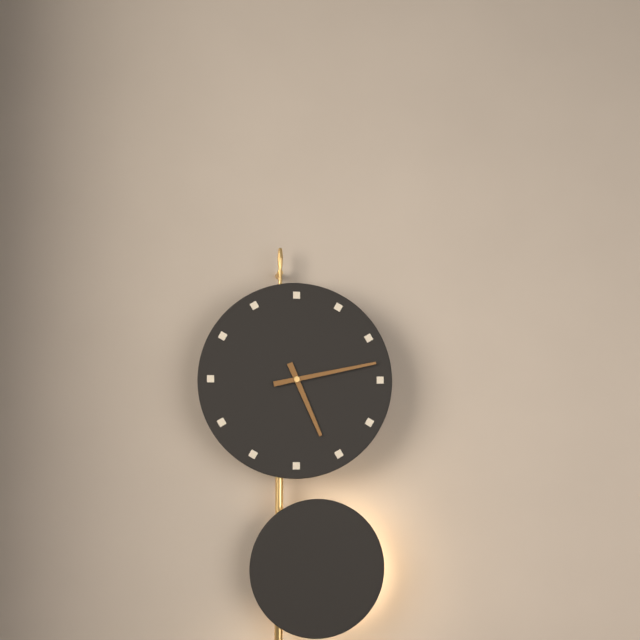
5.13
